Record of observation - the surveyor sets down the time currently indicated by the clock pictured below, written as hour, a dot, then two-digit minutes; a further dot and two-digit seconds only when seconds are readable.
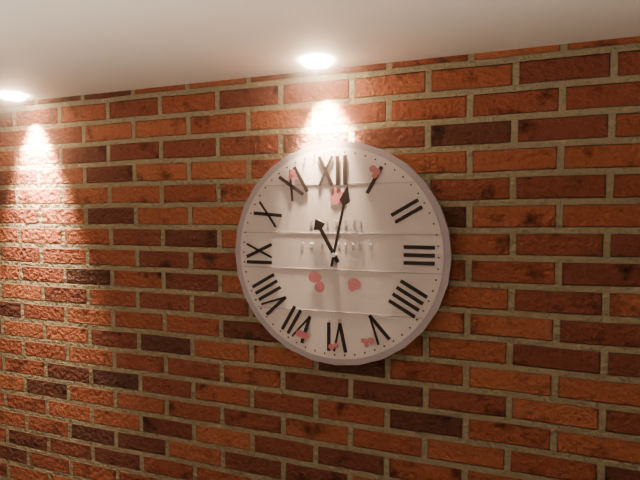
11.02
